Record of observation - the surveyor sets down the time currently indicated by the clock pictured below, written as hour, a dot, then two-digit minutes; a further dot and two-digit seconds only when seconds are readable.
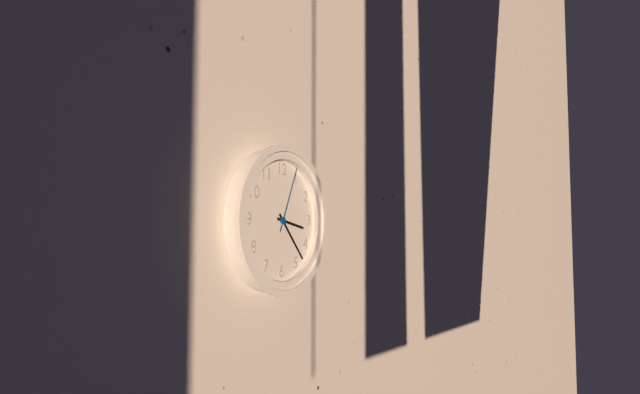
3.23.04
